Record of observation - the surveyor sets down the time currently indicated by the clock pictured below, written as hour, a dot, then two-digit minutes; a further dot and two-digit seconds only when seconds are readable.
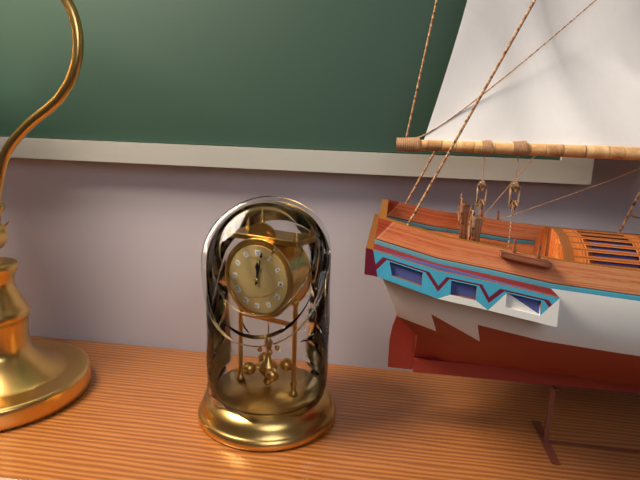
12.02
